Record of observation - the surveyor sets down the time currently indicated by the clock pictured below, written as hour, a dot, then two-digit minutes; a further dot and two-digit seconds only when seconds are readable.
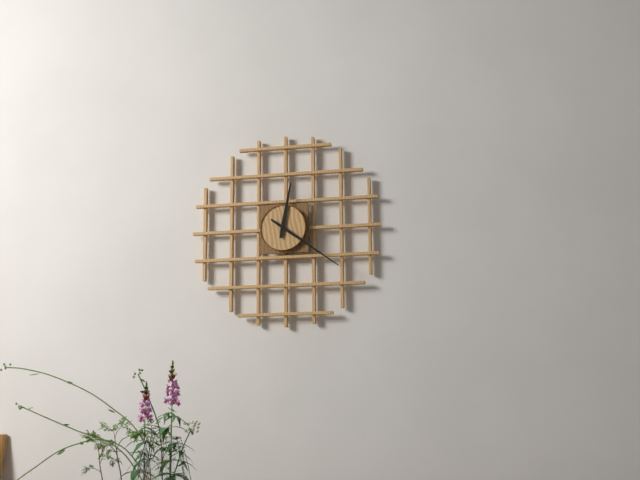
12.21
